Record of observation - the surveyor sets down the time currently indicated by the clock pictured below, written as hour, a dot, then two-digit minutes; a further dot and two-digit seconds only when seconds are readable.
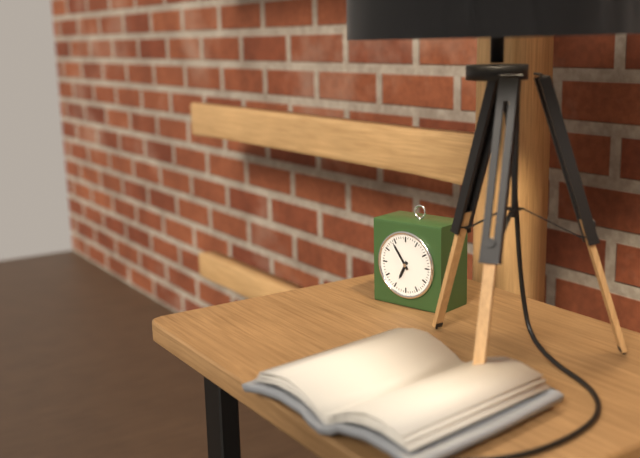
6.54
